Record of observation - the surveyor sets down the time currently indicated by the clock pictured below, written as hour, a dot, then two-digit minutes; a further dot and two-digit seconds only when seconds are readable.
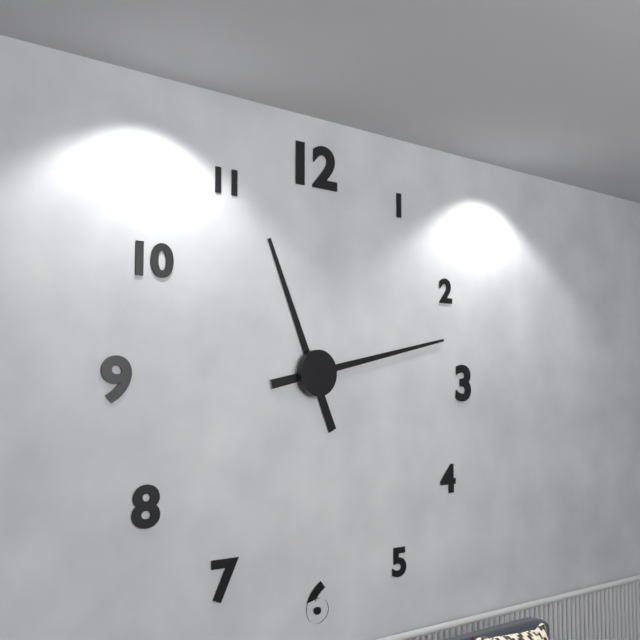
11.13
